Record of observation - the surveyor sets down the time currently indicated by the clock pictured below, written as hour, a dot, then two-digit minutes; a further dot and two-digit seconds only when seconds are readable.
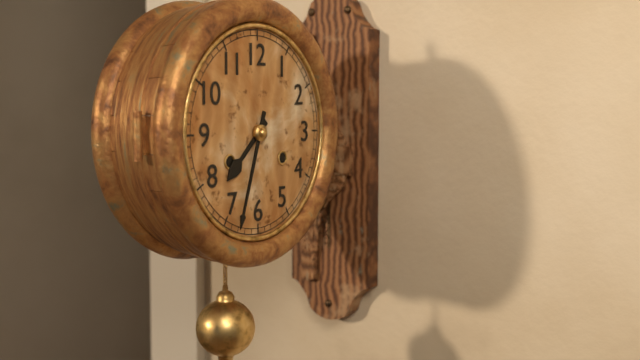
7.33
